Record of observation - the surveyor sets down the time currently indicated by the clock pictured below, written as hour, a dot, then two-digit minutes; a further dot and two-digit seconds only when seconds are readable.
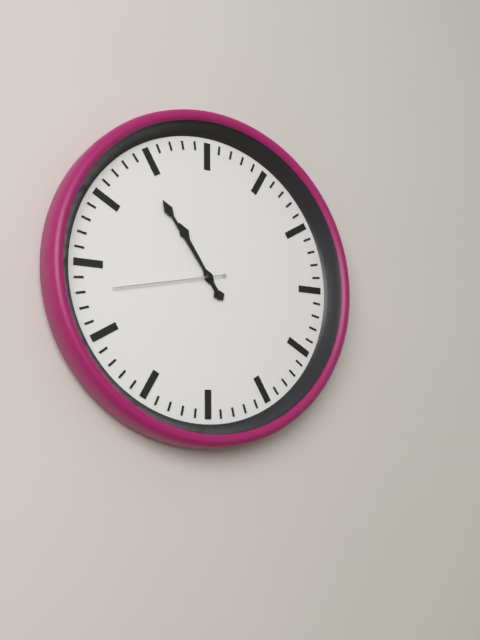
10.54.43
